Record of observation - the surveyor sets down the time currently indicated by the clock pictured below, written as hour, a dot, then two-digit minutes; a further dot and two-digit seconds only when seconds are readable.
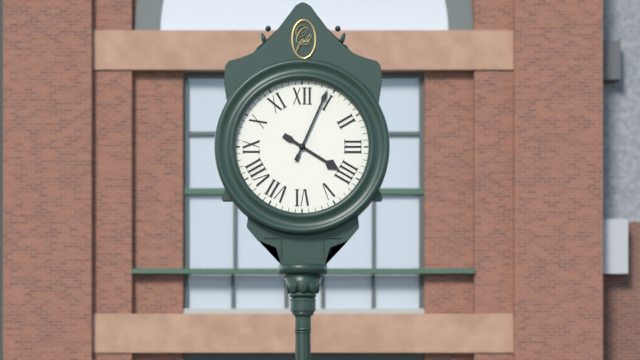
4.04
